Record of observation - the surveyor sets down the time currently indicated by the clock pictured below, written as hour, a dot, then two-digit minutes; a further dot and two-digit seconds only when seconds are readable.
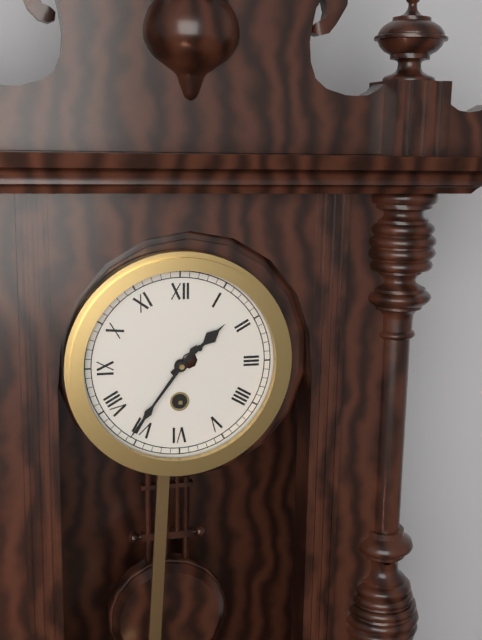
1.36
